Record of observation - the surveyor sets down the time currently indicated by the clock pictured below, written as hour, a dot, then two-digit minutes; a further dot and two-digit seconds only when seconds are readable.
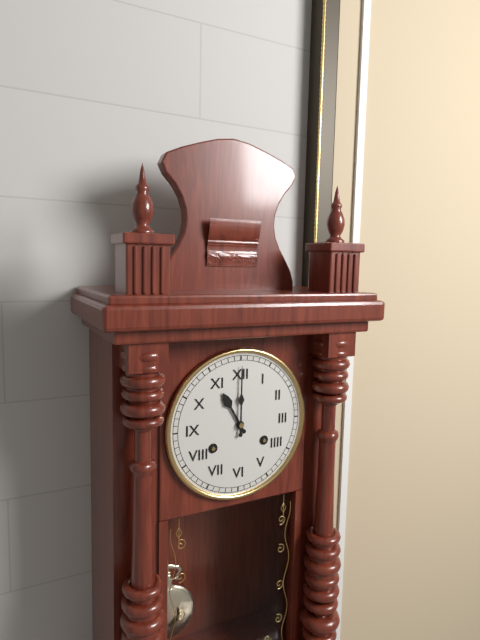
11.00
